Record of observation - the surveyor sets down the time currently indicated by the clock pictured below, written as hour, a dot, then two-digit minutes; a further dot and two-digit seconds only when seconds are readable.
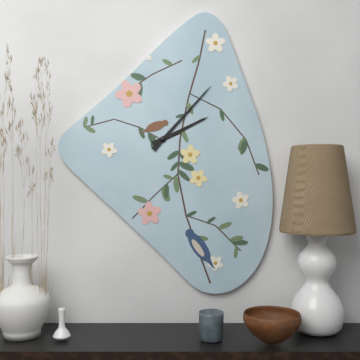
2.07
